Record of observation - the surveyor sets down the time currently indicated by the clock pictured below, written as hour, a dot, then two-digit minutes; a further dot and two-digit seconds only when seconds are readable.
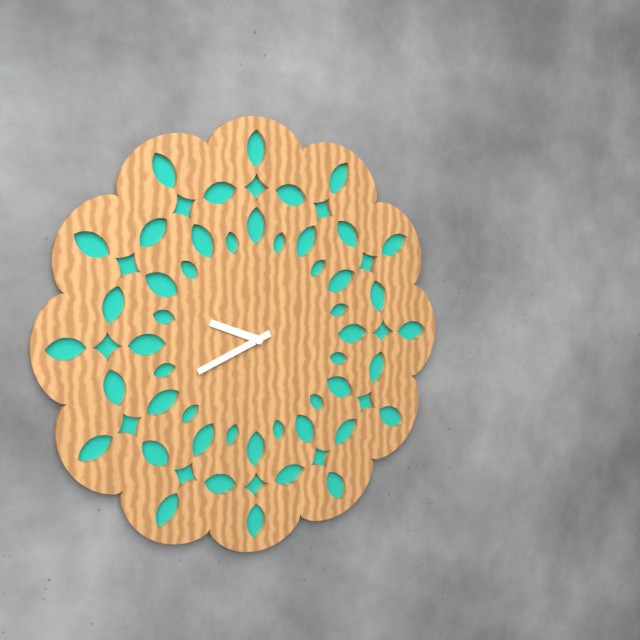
9.41
